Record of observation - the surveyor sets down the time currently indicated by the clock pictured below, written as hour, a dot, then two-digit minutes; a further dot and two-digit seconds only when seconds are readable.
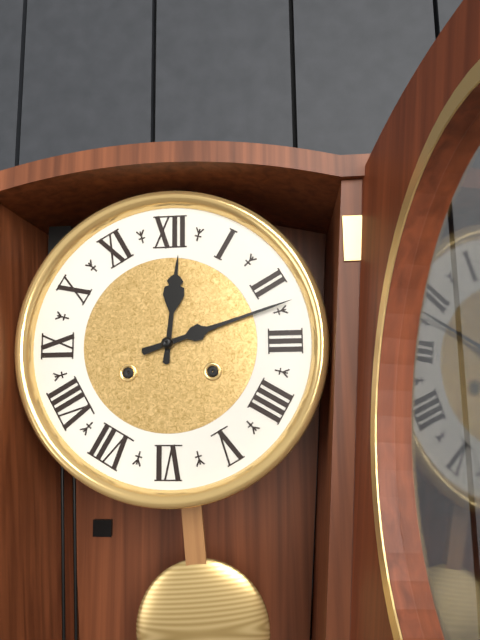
12.12
